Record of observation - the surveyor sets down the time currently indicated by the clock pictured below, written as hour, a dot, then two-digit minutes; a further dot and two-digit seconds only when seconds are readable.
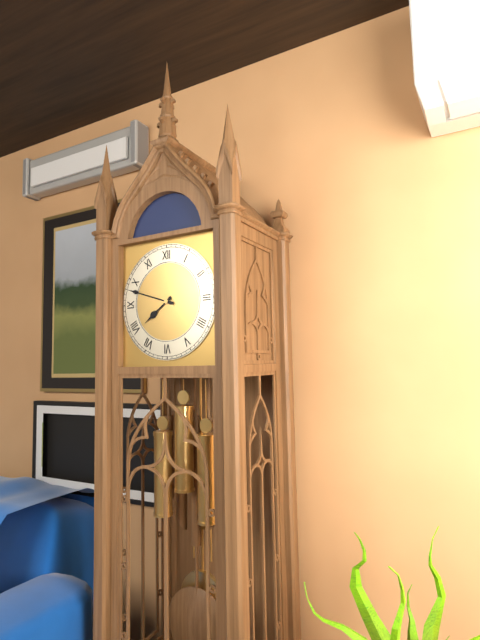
7.48
